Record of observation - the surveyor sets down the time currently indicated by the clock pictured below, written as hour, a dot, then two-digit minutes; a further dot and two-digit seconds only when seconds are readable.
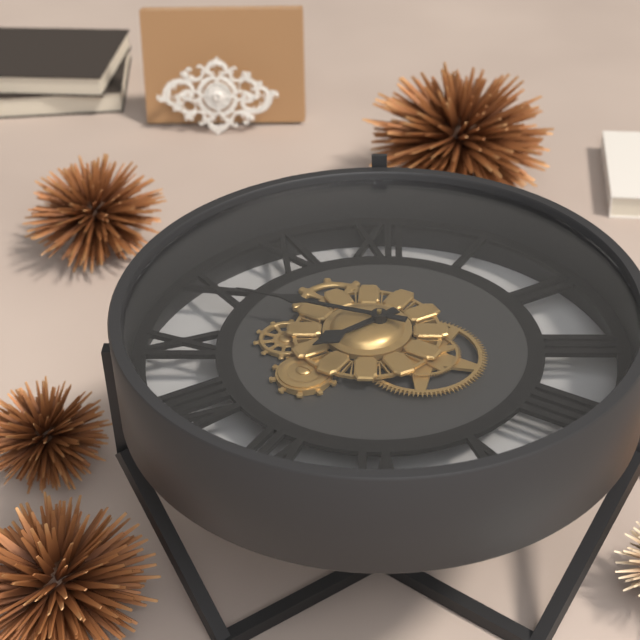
7.48
